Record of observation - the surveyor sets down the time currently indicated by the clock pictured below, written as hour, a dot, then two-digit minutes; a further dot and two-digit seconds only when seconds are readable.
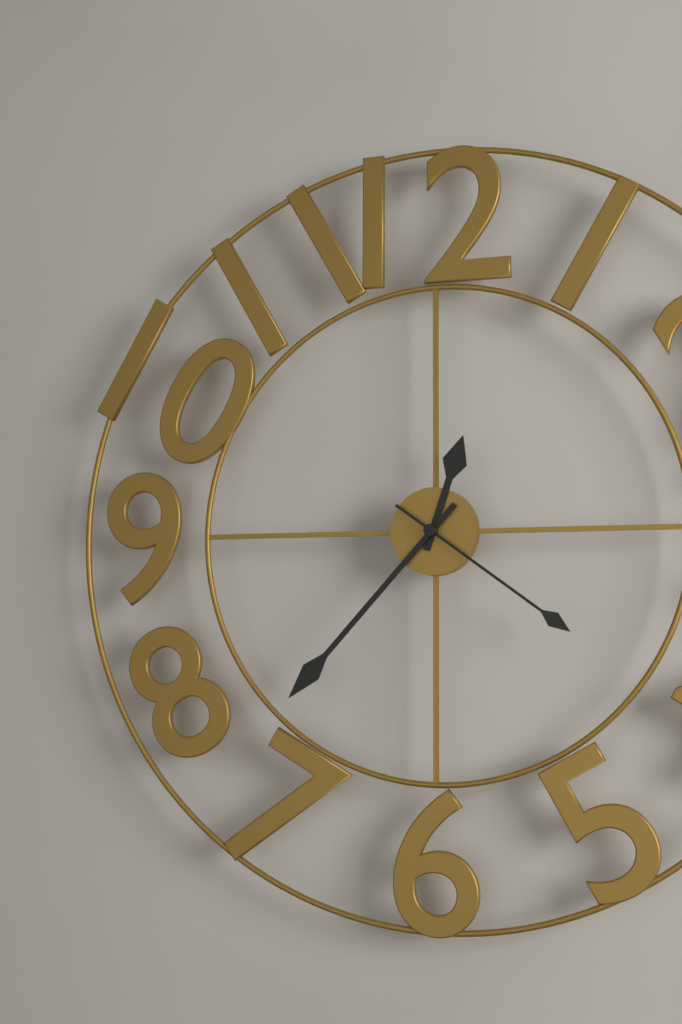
12.37.21
